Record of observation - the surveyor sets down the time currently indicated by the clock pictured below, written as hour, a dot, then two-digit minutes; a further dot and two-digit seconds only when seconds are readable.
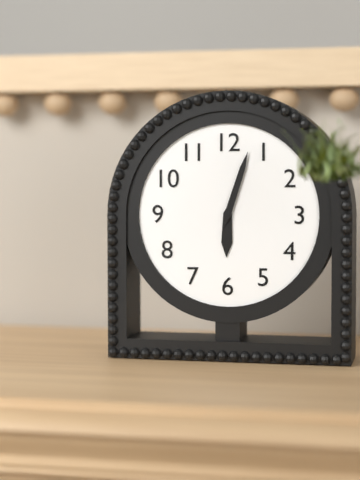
6.03
